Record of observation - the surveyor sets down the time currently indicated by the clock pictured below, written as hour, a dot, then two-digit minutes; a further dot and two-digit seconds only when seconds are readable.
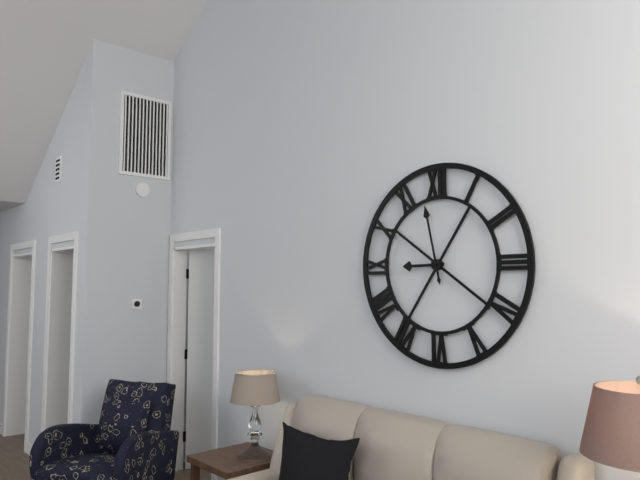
8.58
